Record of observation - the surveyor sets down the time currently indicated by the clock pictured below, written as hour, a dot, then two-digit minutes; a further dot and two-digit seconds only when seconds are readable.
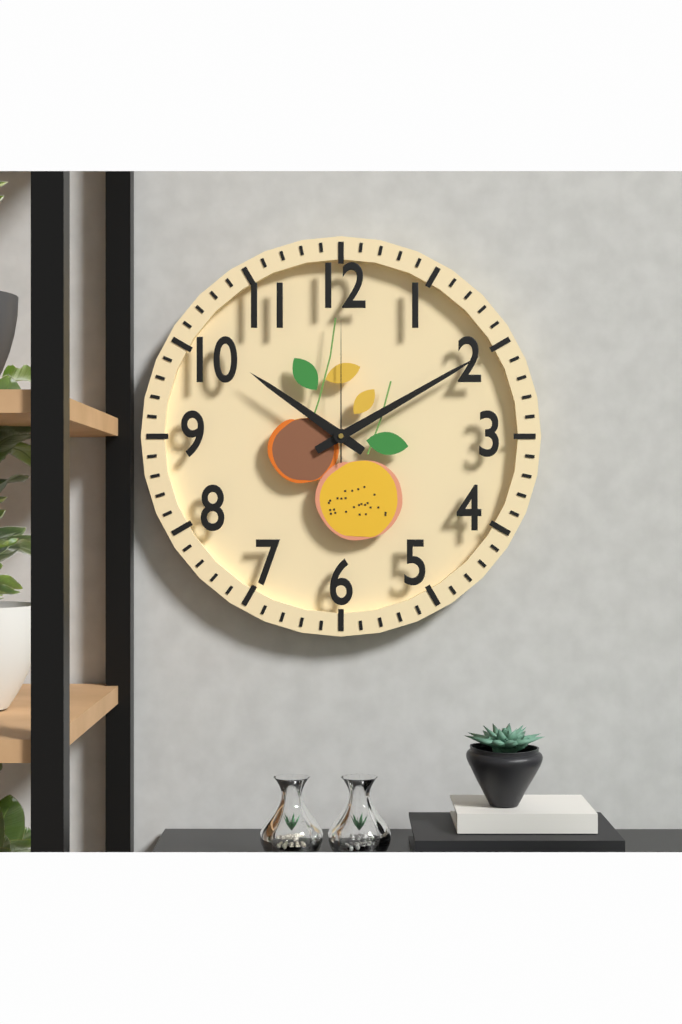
10.10.00
